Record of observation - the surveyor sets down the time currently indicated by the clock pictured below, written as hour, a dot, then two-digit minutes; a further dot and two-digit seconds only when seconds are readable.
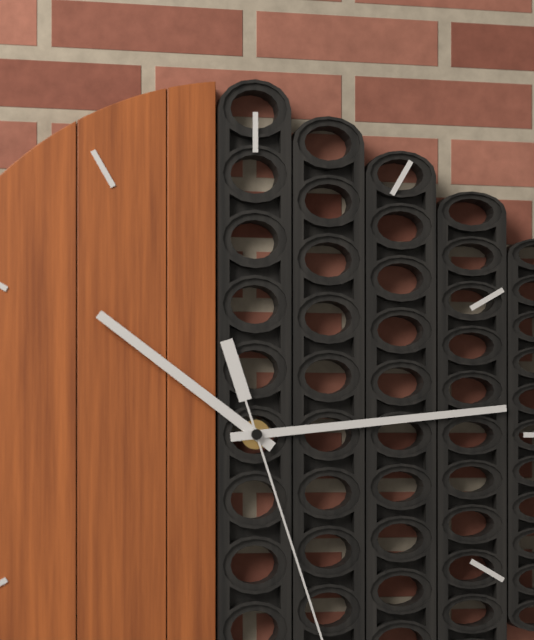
10.14
